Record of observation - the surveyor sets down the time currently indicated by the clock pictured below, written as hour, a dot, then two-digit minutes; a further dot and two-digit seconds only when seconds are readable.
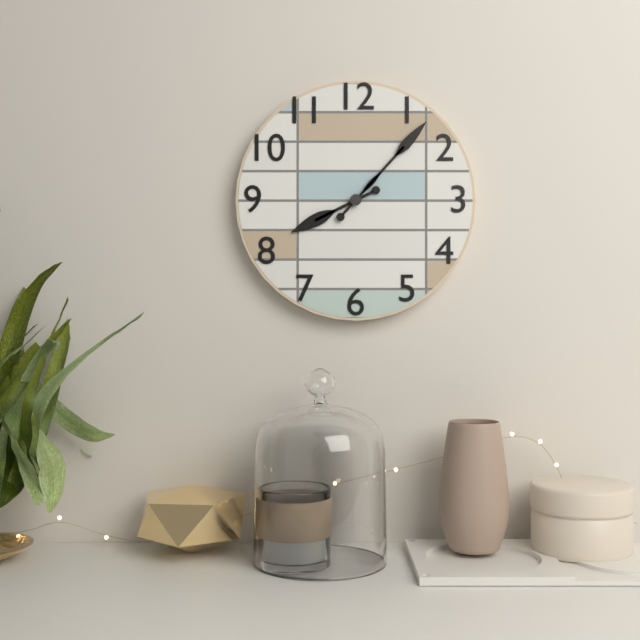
8.07
